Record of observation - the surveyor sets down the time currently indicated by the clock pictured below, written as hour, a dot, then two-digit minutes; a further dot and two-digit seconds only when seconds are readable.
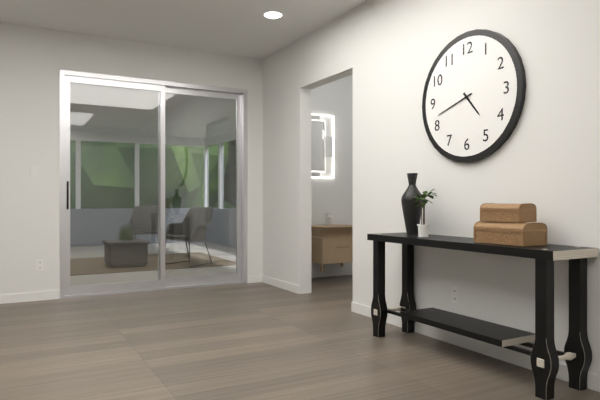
4.42
